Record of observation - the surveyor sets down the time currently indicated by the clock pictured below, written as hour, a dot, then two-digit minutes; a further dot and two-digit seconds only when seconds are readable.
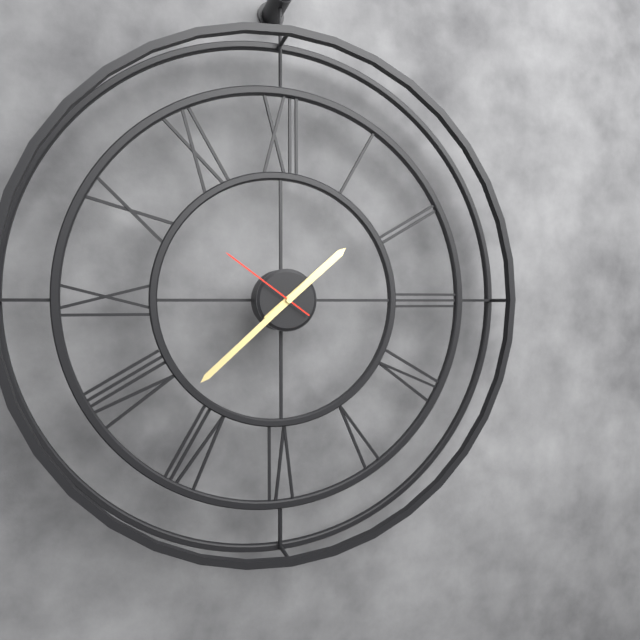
1.38.51
